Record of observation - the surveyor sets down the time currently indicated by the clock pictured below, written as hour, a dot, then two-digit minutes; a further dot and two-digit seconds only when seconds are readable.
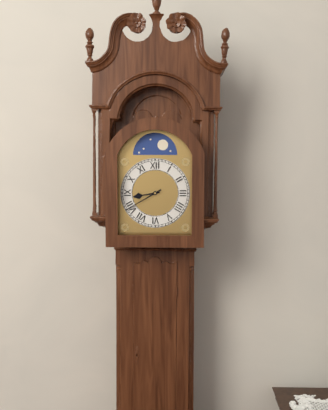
8.40
